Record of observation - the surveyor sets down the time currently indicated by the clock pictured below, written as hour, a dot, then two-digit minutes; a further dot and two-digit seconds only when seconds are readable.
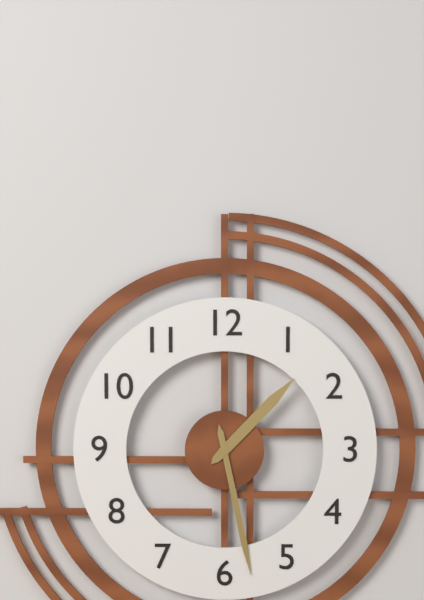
1.28
